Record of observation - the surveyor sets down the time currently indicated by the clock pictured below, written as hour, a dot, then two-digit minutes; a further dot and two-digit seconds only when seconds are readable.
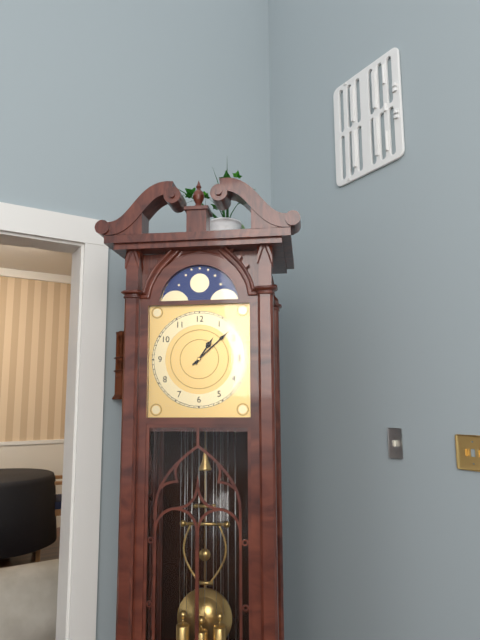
1.08
